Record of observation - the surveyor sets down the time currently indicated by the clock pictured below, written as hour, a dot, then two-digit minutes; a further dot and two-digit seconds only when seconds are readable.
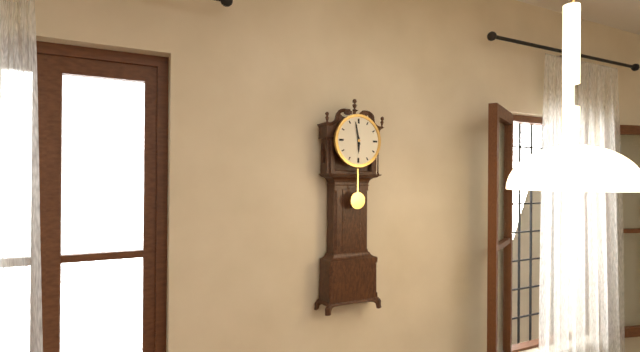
5.58
